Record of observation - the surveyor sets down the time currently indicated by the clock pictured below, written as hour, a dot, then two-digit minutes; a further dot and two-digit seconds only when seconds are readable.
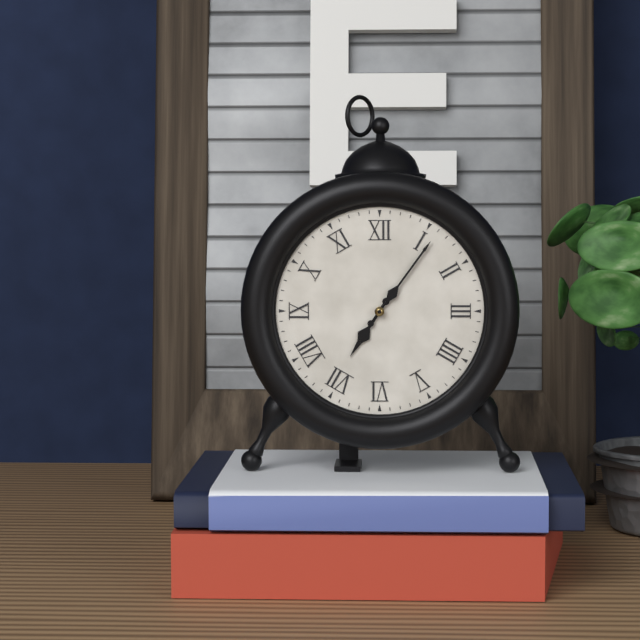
7.06
